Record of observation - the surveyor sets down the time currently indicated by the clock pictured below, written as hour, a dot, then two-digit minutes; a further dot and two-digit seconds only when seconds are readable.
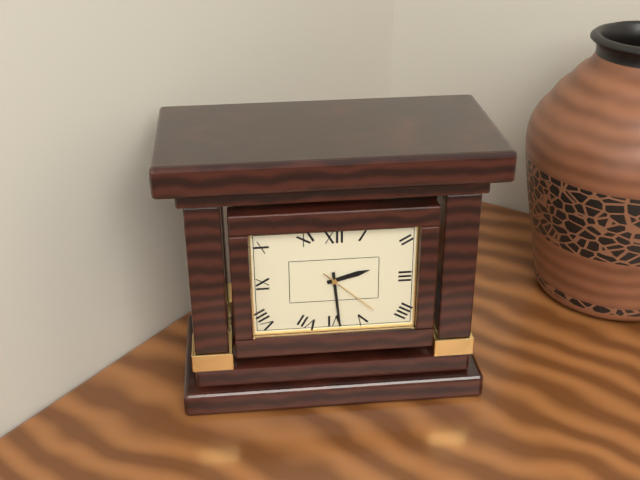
2.29.22
